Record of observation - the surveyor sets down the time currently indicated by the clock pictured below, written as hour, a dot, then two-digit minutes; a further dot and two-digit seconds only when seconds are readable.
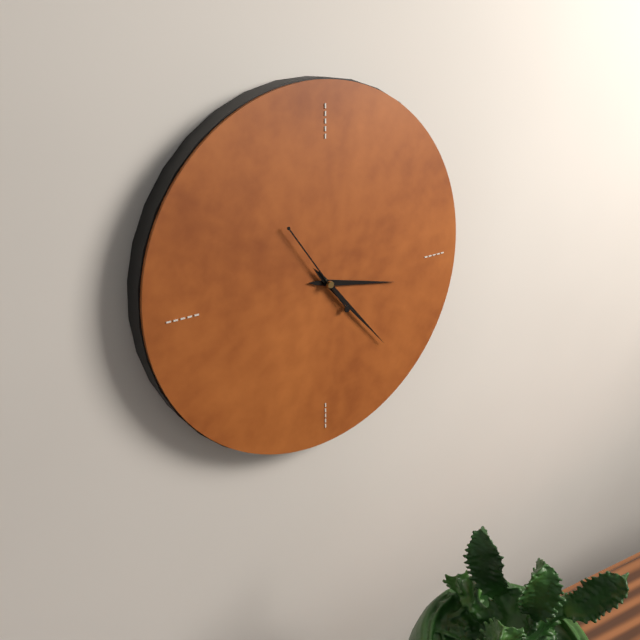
3.23.54
